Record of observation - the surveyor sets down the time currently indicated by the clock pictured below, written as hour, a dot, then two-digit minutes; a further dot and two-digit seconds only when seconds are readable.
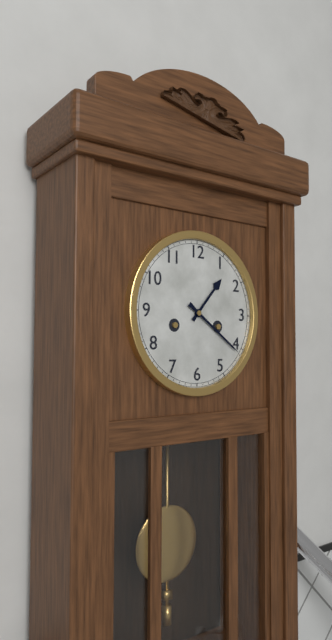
1.21
